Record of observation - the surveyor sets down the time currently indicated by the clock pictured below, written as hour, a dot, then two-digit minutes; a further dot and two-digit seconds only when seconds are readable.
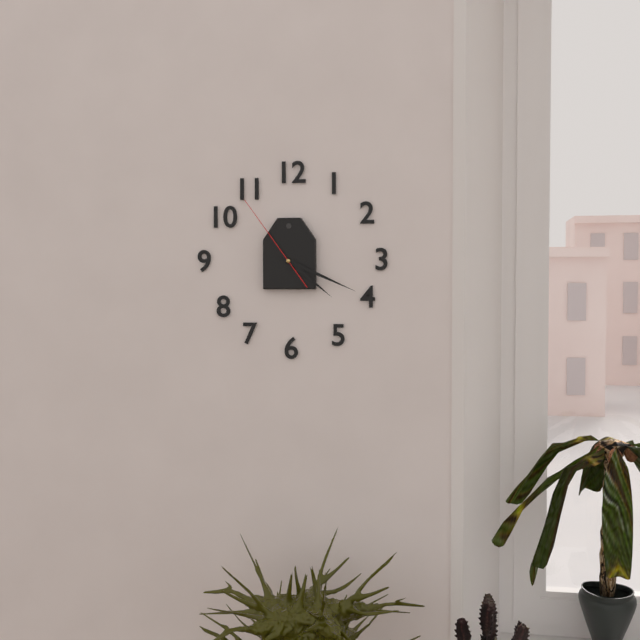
4.19.54
